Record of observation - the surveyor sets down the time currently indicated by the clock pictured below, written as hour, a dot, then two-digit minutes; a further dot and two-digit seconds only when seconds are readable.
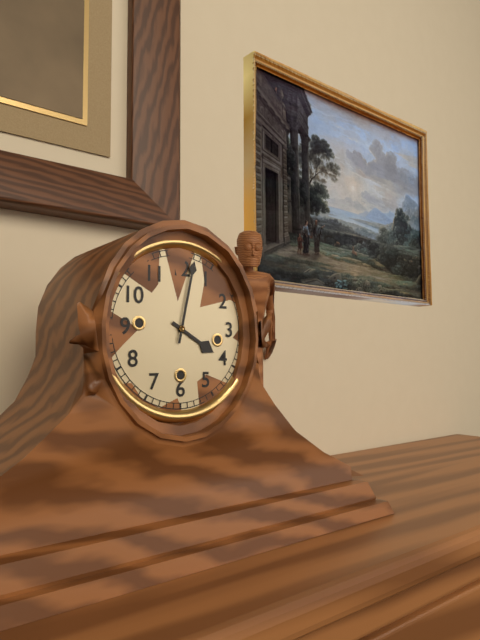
4.02
